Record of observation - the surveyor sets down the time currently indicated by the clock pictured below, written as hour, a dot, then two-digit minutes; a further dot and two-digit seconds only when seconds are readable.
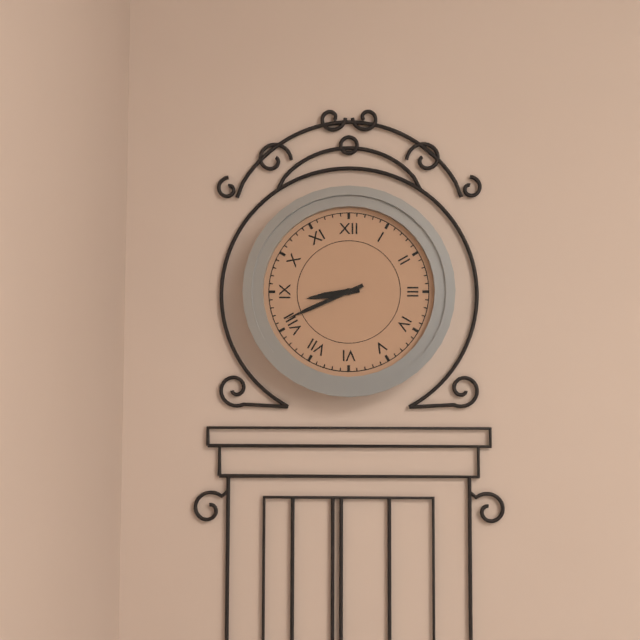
8.41
